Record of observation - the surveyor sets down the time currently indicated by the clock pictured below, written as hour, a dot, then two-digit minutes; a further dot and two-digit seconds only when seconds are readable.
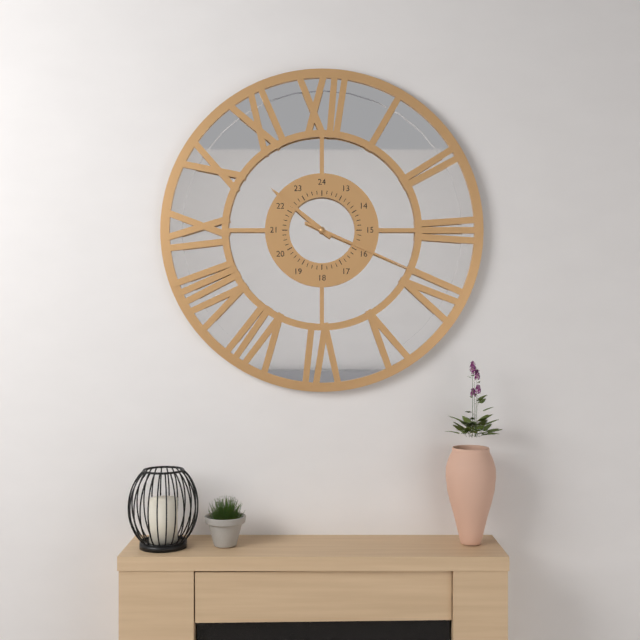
10.19
